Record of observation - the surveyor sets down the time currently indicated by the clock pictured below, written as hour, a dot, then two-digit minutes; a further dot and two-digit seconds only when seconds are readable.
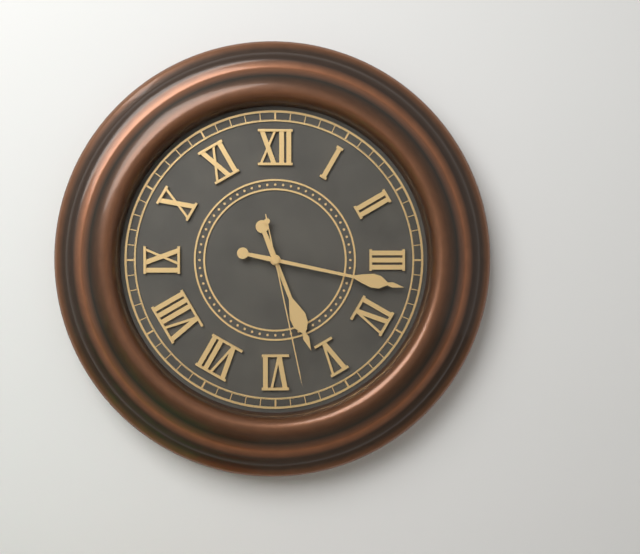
5.17.28
